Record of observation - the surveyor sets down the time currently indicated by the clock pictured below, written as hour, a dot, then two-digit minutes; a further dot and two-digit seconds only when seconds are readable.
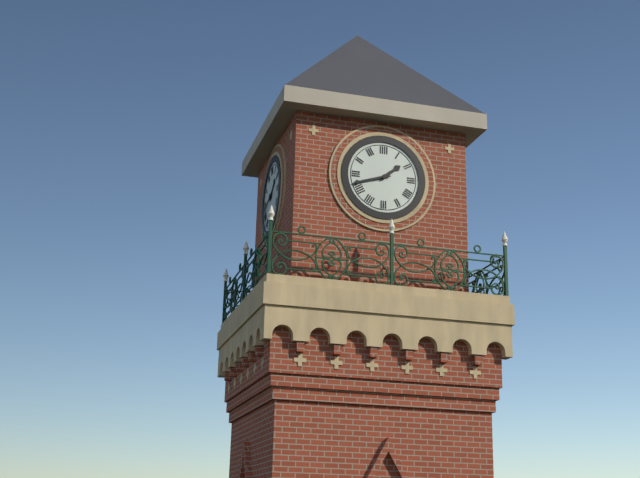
1.42
